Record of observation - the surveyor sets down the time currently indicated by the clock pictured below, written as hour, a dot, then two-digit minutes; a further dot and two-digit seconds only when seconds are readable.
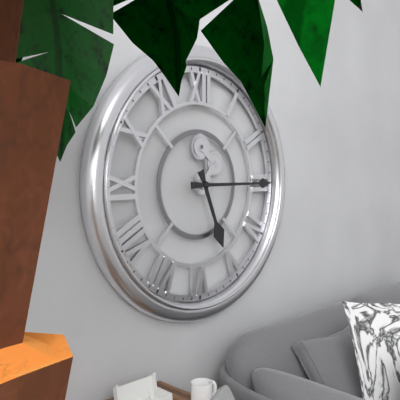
5.15
